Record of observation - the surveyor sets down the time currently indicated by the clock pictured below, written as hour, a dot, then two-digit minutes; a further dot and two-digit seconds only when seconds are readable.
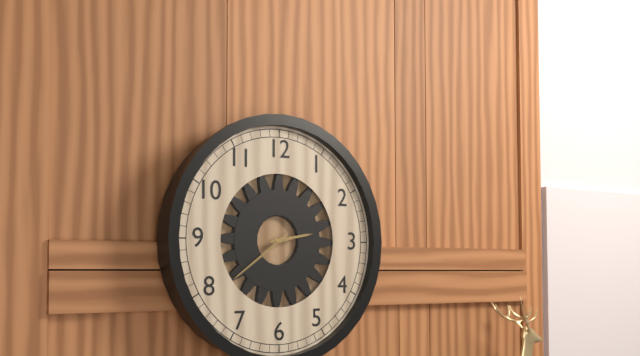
2.39
